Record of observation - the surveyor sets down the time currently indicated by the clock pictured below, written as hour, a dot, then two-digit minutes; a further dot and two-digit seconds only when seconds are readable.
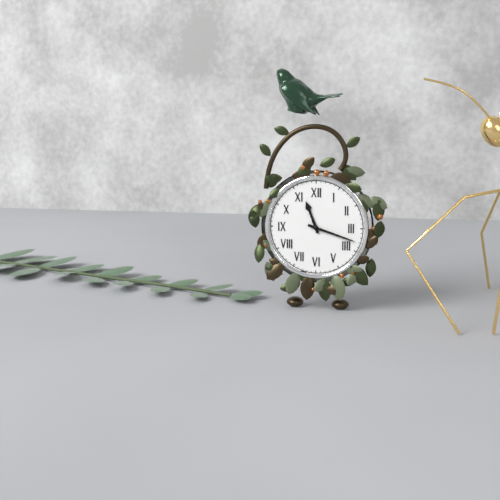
11.18
